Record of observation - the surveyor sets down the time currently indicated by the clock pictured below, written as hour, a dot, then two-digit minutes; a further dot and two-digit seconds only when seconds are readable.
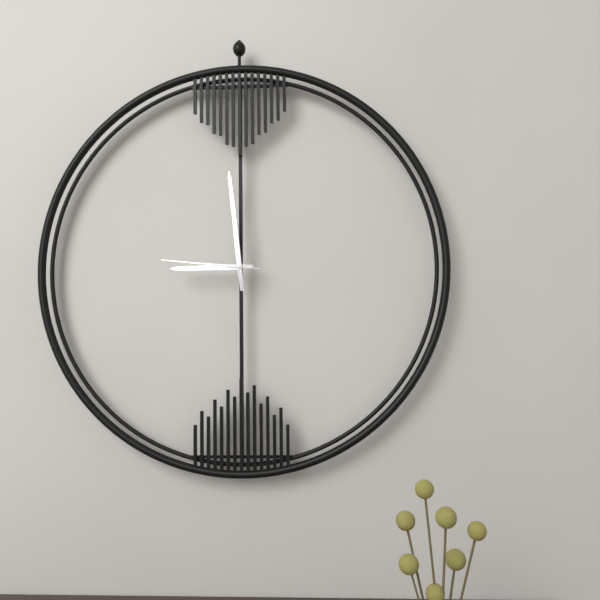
8.59.46
